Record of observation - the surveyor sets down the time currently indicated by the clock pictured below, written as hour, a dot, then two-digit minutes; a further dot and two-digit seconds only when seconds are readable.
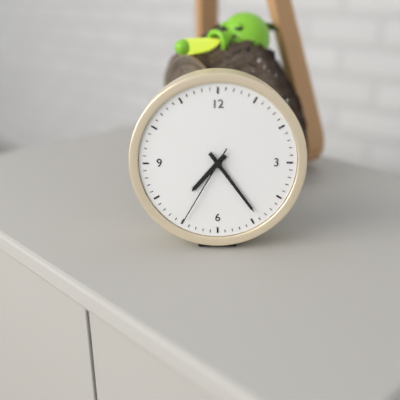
7.24.35
